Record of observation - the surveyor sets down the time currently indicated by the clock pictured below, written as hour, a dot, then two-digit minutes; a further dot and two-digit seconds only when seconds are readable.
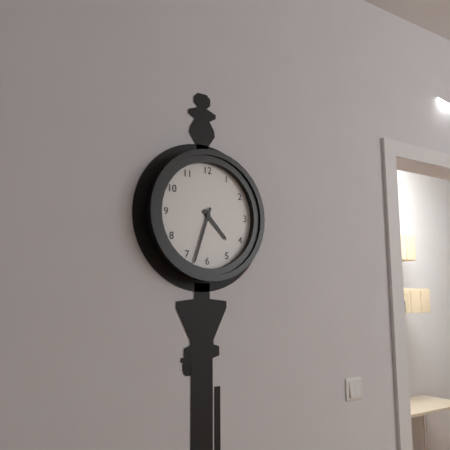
4.33
